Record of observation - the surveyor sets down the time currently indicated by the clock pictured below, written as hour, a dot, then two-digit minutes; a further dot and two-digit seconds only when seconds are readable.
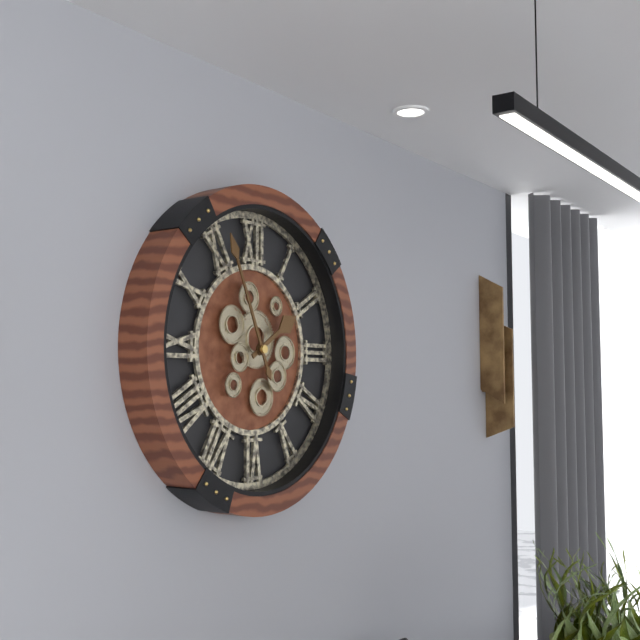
1.56
